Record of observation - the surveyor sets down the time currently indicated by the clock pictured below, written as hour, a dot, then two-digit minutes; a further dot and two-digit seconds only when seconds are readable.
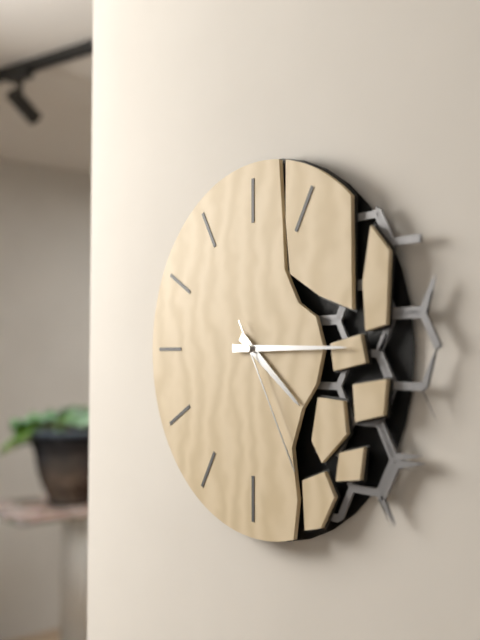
4.15.25
